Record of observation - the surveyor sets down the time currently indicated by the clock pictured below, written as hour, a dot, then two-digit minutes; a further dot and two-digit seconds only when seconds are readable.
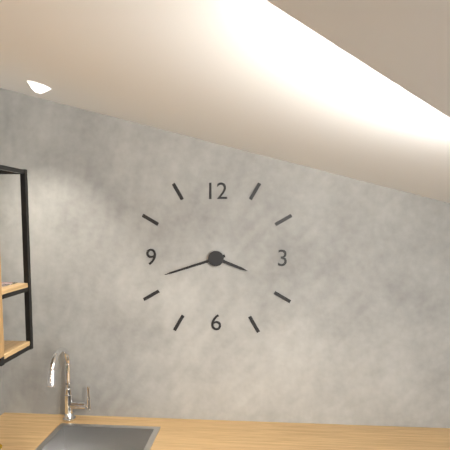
3.42
